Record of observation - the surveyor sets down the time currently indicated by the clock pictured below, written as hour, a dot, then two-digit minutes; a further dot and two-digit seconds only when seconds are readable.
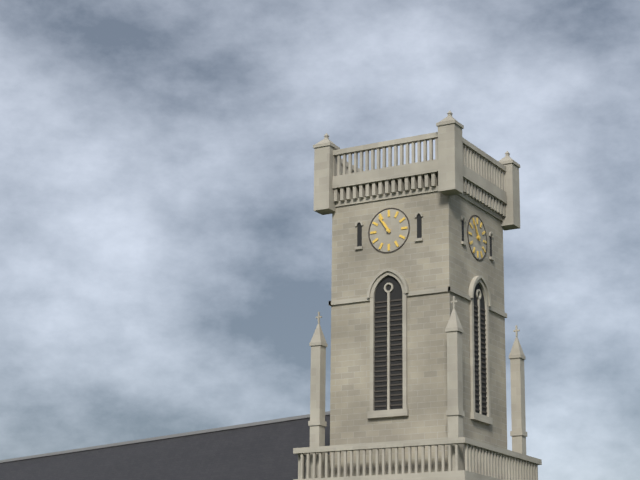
10.54
